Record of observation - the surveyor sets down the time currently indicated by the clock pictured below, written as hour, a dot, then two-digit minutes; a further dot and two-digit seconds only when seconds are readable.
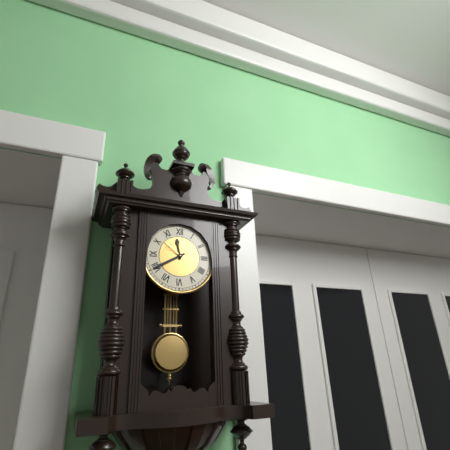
11.40
